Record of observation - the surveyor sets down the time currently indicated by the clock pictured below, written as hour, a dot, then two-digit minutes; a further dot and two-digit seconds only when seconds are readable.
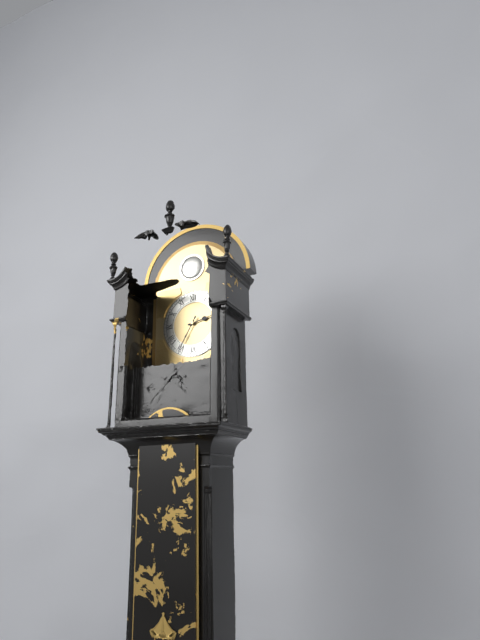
2.35
